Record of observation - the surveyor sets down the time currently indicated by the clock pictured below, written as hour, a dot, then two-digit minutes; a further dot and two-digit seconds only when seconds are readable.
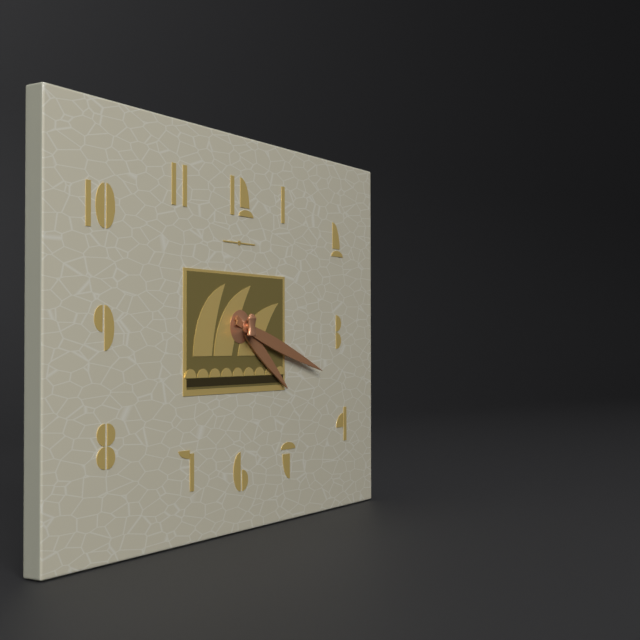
4.18
